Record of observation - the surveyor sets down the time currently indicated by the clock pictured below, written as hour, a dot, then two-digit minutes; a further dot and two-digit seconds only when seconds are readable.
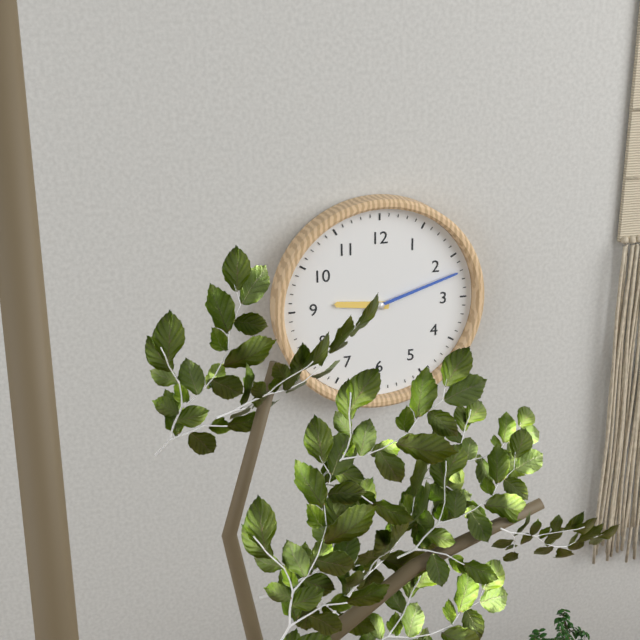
9.12
